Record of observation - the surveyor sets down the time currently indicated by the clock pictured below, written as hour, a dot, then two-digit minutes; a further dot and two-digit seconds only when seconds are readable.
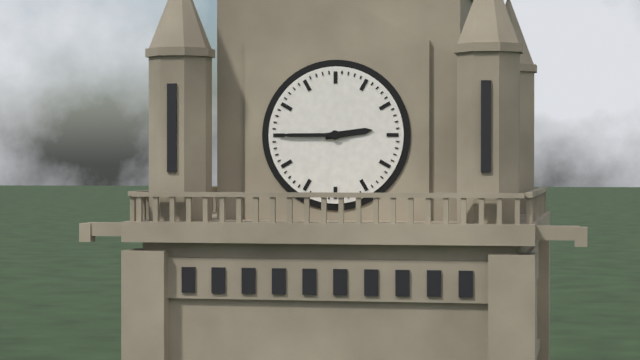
2.45
